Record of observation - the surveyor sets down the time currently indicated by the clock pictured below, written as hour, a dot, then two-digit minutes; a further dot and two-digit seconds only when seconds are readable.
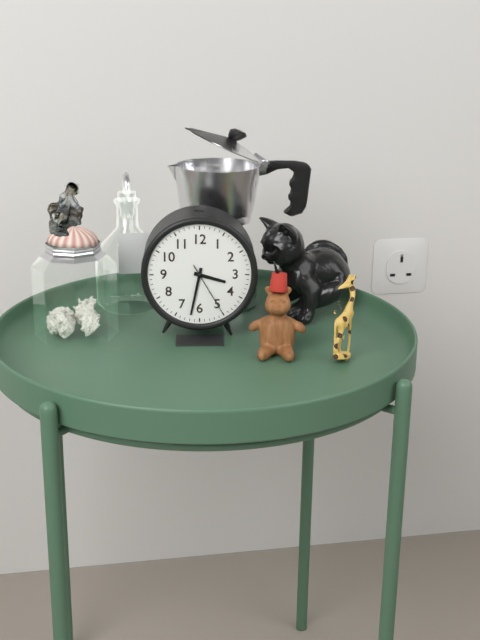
3.32.25
